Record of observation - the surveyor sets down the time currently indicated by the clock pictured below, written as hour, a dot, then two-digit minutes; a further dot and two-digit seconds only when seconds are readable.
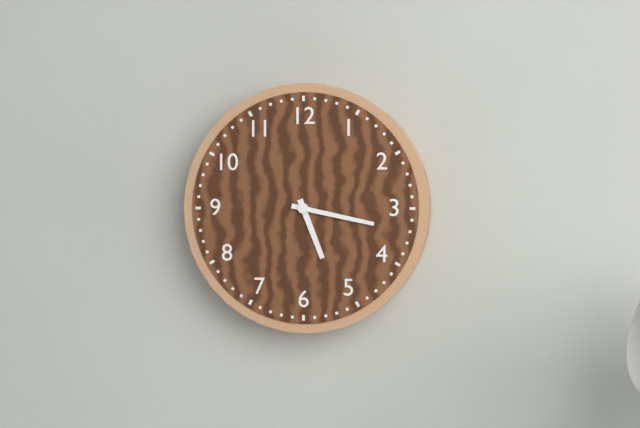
5.17
